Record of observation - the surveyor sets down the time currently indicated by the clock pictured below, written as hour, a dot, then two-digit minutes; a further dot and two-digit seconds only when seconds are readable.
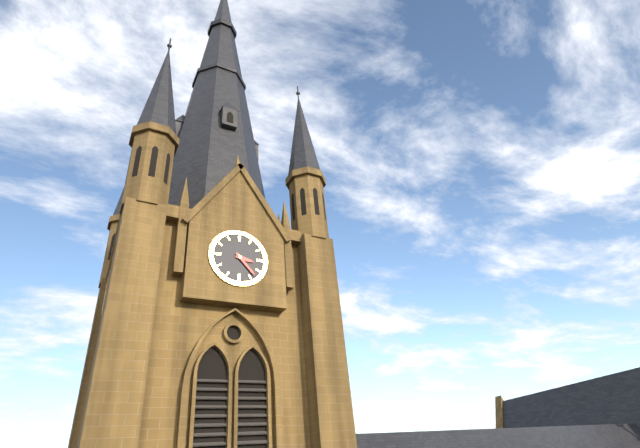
3.23
